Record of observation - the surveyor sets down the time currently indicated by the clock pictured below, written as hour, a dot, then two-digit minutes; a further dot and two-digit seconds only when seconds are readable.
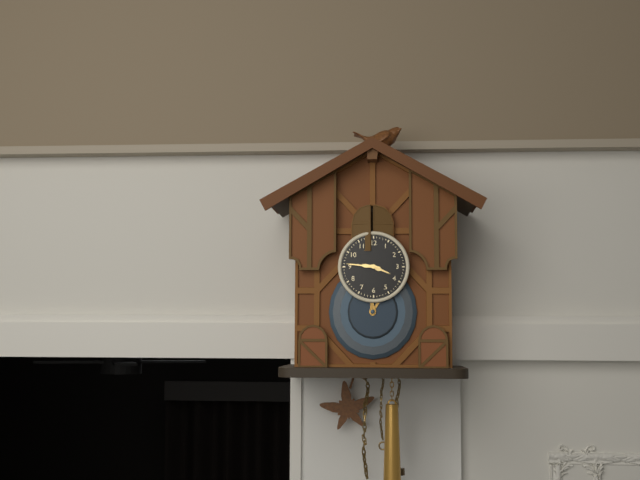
3.46
